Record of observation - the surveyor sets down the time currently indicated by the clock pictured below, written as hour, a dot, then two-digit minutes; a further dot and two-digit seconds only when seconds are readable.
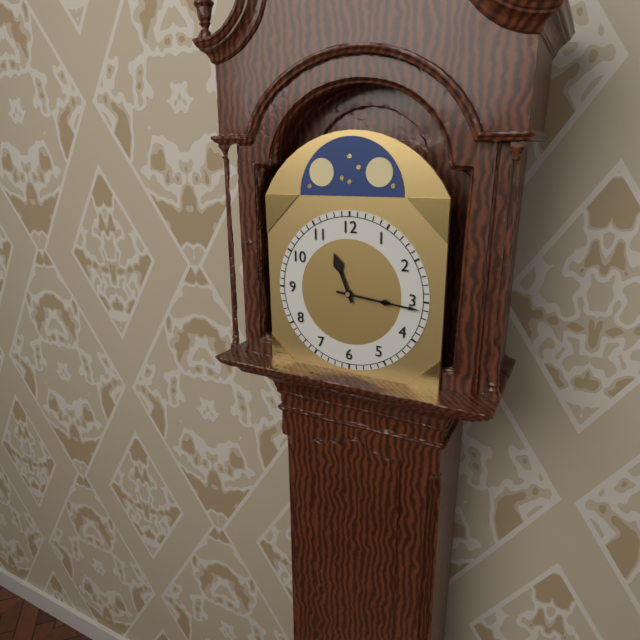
11.16
